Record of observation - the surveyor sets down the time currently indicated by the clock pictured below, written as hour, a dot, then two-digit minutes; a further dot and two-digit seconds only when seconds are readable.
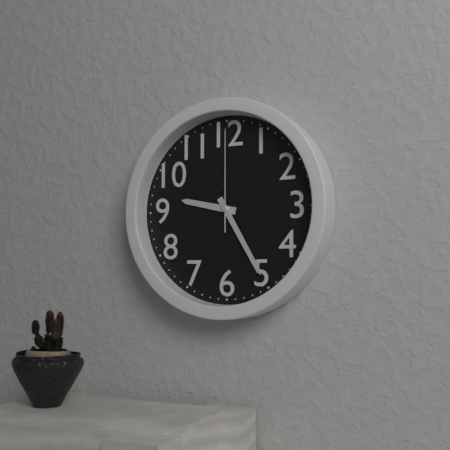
9.25.00
